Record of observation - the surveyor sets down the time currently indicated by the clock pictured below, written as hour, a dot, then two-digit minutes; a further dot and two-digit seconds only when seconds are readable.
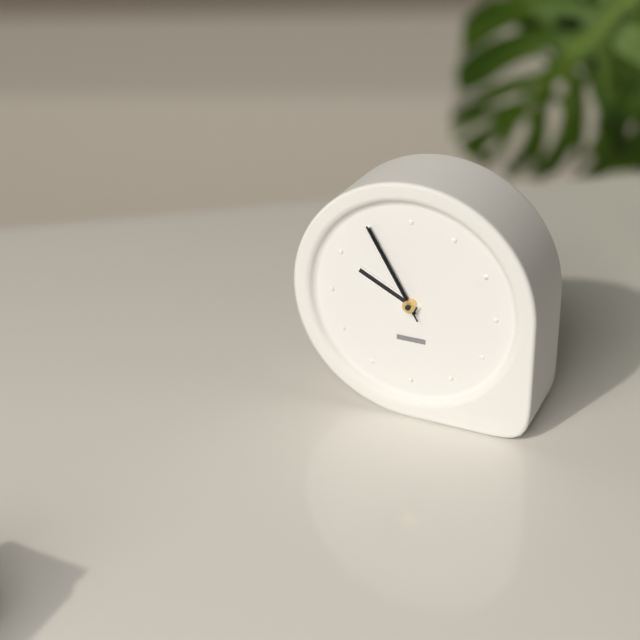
9.55.55
